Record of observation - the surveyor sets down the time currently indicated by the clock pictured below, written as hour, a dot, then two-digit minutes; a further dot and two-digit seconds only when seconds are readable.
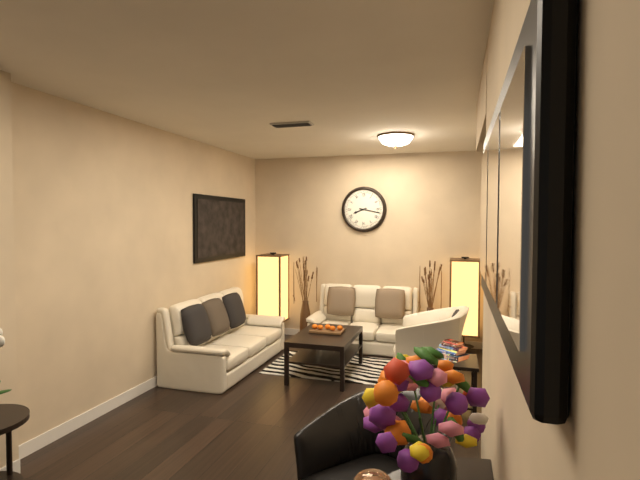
8.17
